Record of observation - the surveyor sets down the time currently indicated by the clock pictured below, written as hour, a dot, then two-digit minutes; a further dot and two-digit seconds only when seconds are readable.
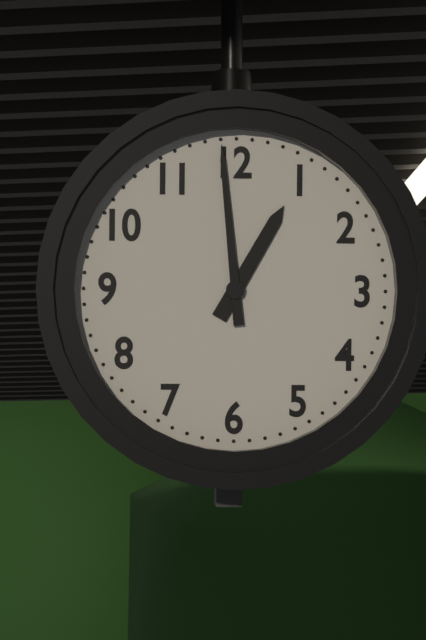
12.59
